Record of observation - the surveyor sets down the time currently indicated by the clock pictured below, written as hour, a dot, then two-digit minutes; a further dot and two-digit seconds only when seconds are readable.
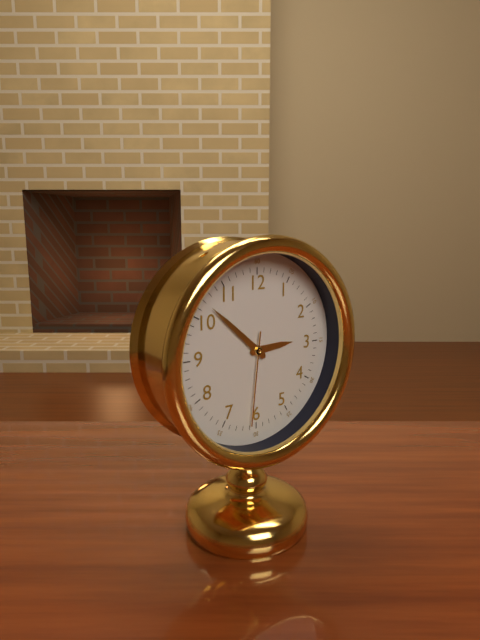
2.52.31
